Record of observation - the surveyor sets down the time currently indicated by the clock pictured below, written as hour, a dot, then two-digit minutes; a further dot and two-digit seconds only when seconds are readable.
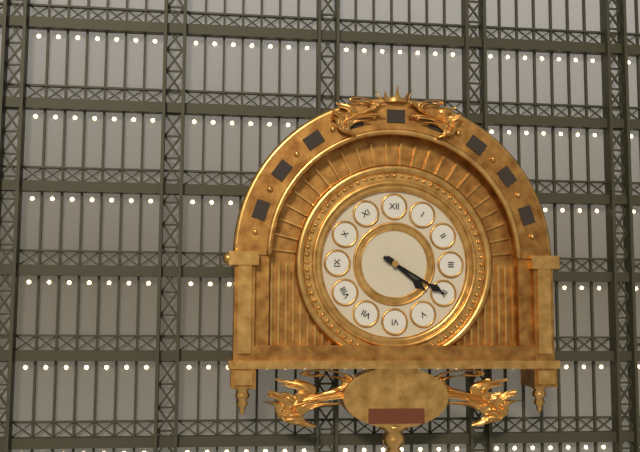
4.20
